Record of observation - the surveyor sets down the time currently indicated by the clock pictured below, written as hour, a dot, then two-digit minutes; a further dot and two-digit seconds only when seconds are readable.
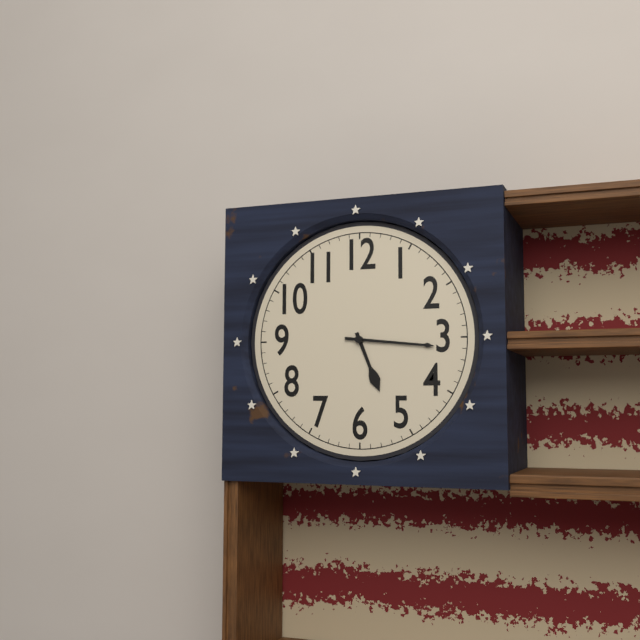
5.16
